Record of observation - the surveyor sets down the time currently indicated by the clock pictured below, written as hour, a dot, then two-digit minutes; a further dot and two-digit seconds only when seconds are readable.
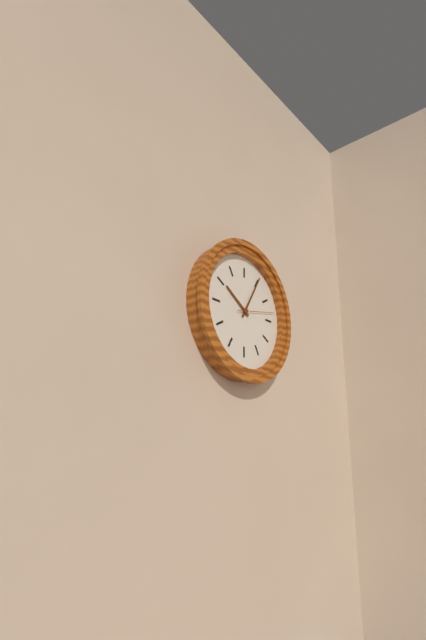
10.05
